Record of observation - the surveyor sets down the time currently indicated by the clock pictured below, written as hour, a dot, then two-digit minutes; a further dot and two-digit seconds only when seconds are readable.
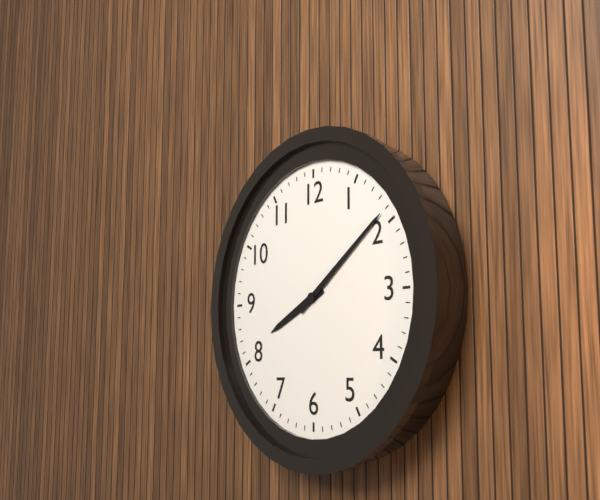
8.09
